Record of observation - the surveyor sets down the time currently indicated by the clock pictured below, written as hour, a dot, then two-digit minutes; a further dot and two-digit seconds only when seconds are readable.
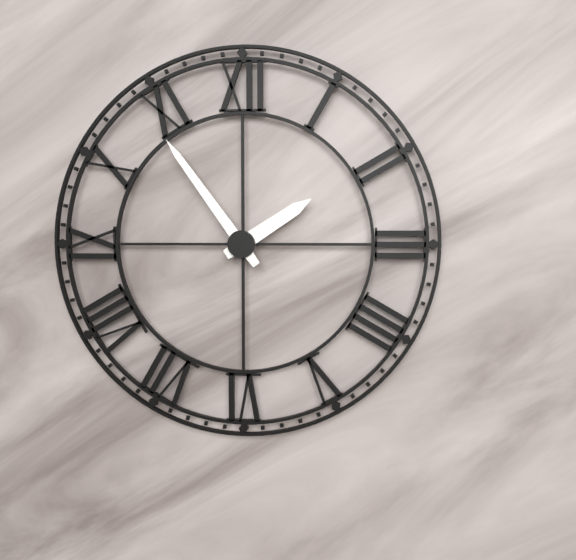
1.54
